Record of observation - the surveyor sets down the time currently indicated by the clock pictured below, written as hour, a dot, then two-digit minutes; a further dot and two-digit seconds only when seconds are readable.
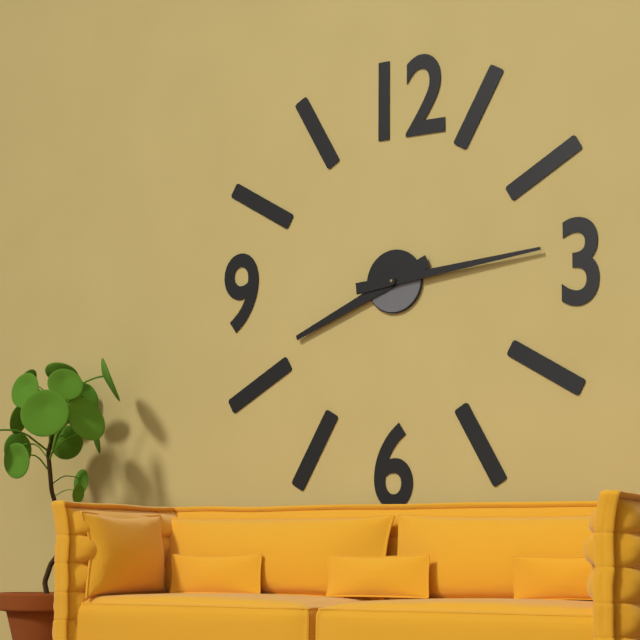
8.14
